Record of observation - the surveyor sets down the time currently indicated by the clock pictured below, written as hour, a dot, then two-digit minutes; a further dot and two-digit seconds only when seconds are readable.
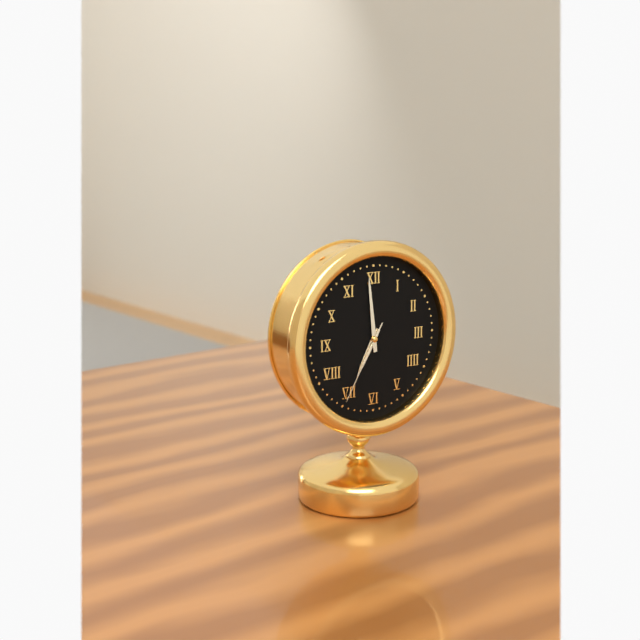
6.59.35
